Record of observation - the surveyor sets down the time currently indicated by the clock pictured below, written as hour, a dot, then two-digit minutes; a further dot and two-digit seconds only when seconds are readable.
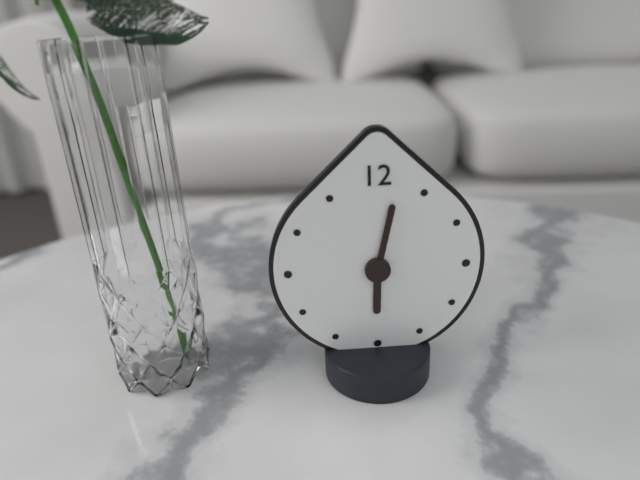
6.02
